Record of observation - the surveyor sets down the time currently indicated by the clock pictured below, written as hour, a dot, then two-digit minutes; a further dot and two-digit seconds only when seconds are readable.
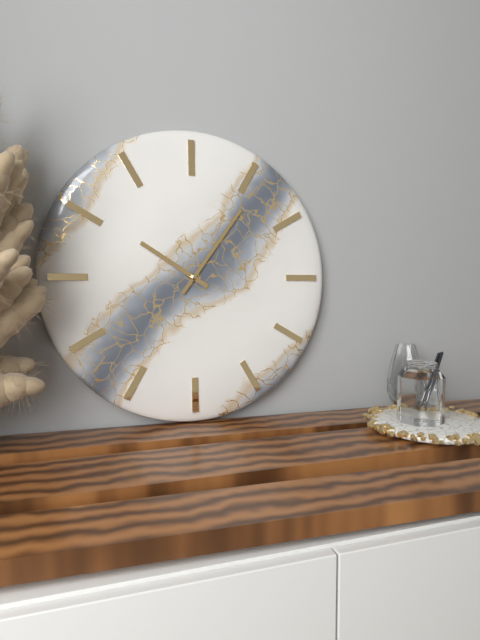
10.06
